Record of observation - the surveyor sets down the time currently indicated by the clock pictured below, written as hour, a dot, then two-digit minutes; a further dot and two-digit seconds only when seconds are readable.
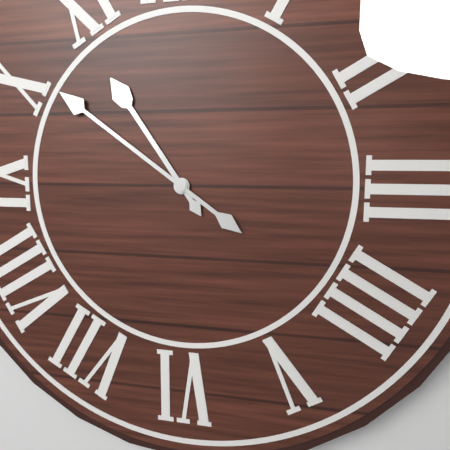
10.51
